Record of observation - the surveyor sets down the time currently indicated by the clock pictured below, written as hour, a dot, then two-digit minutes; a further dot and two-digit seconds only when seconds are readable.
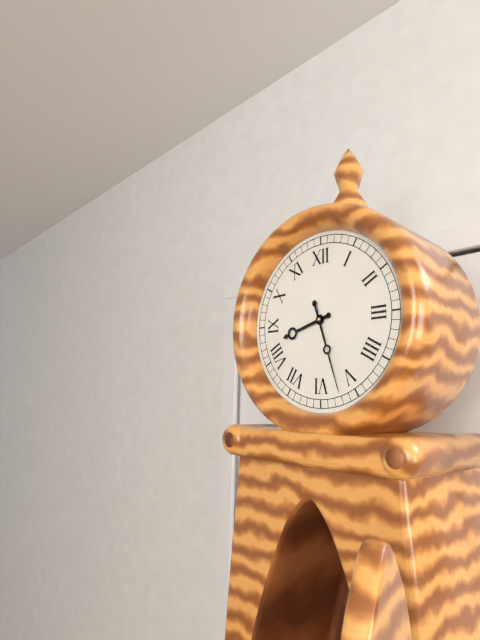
8.27
